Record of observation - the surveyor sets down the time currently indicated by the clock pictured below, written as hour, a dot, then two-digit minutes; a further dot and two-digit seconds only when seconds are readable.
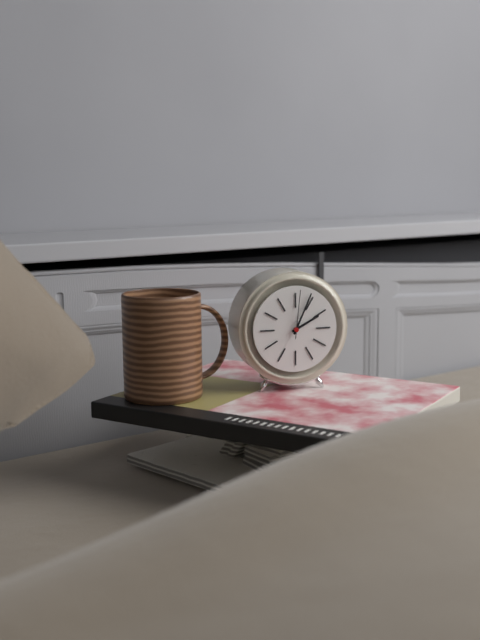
2.04
